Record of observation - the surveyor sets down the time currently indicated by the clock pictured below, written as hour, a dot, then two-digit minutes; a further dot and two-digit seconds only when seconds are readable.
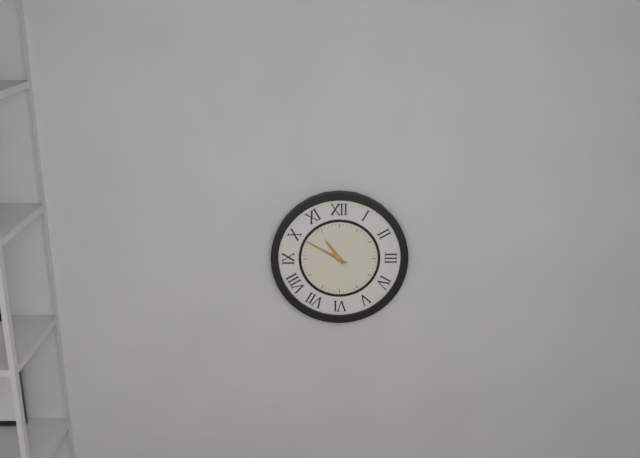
10.50
